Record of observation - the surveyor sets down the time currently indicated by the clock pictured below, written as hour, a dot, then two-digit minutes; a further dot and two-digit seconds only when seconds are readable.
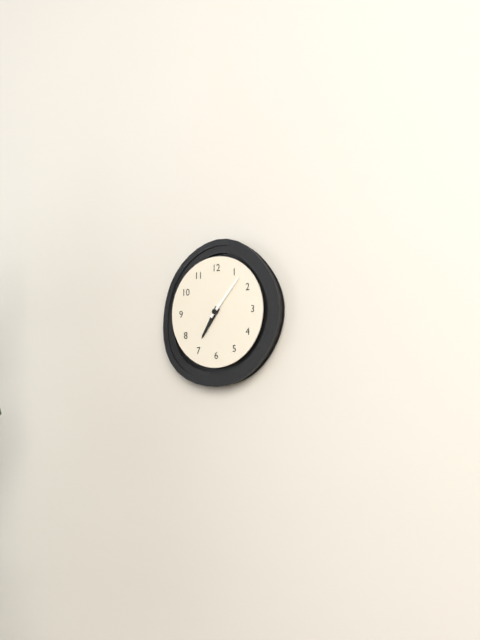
7.07
